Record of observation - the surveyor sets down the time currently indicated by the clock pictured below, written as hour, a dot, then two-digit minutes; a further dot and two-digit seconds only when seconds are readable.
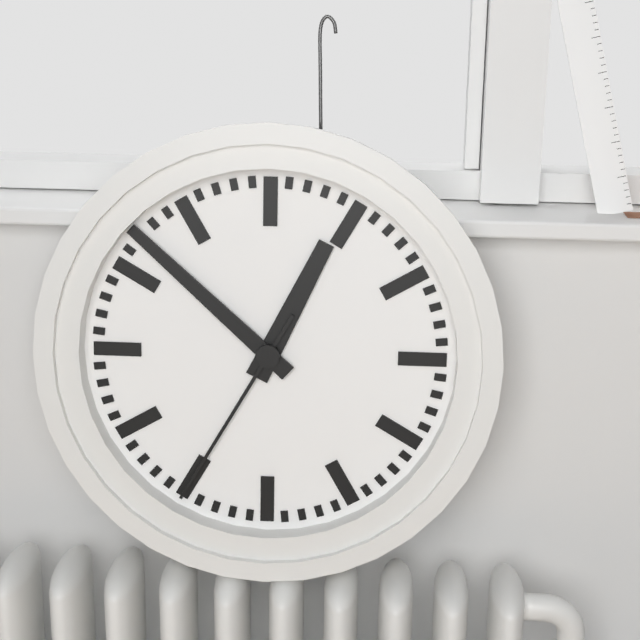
12.52.35
